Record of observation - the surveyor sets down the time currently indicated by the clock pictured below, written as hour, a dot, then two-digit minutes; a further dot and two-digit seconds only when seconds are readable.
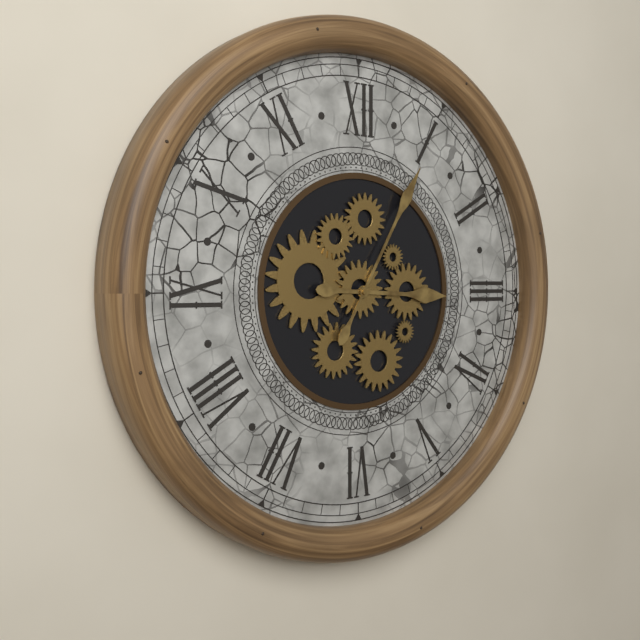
3.05
